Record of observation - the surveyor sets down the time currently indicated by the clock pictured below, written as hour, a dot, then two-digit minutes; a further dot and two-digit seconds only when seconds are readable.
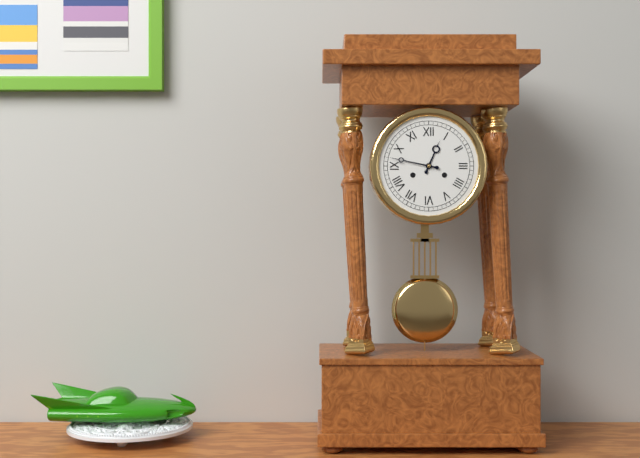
12.47
